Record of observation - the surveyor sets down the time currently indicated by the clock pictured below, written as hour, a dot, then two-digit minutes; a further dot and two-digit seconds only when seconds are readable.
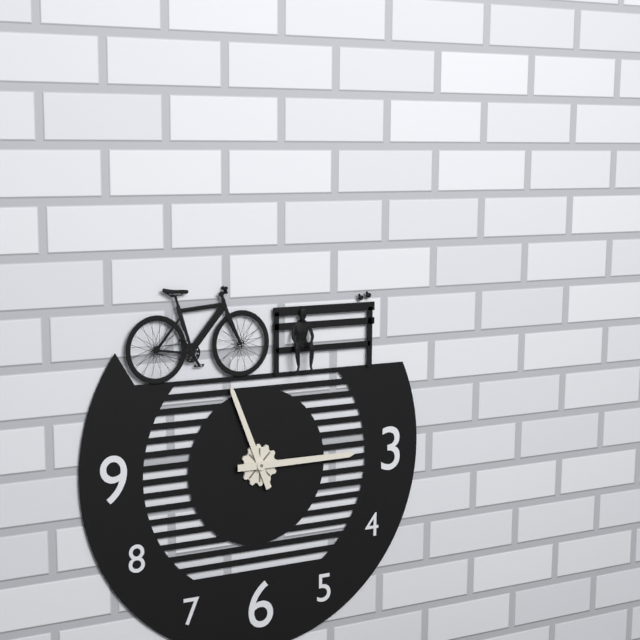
11.15
